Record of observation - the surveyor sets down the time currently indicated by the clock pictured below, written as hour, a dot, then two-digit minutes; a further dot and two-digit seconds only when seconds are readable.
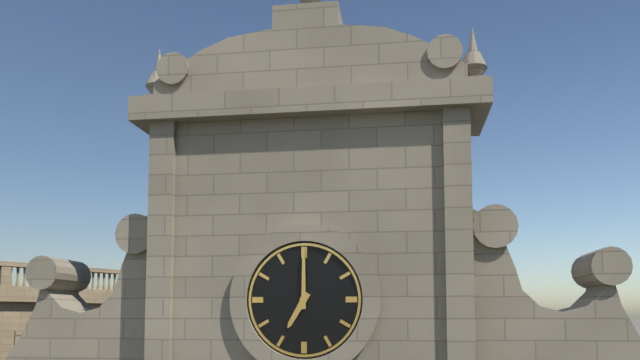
7.00
